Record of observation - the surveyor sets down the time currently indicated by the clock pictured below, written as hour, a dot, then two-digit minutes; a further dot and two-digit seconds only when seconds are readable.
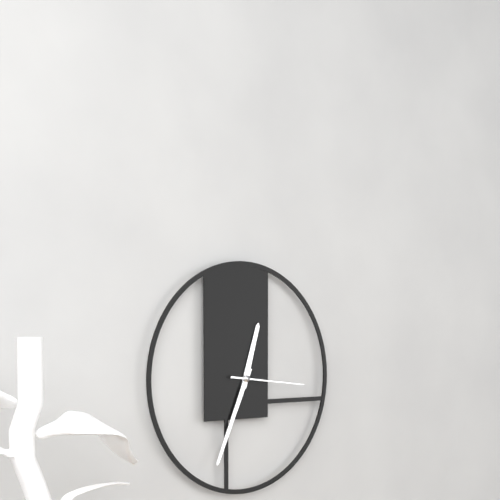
12.34.16
